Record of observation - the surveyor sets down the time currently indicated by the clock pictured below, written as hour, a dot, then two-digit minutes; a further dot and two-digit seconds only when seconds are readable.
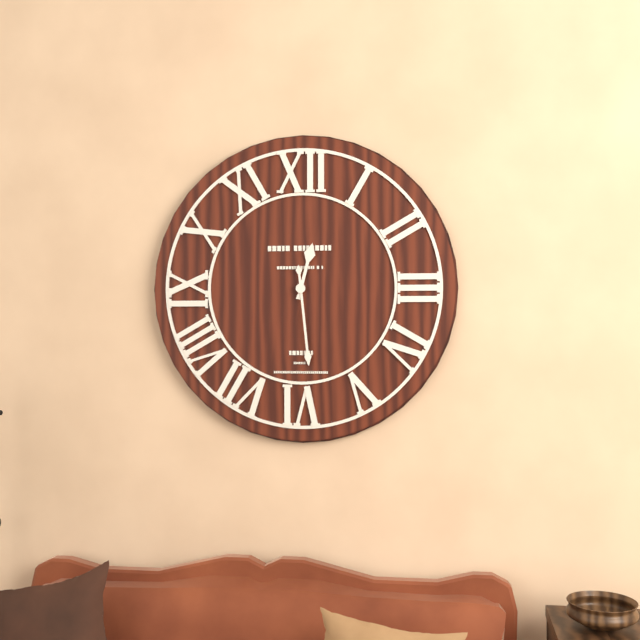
12.29
